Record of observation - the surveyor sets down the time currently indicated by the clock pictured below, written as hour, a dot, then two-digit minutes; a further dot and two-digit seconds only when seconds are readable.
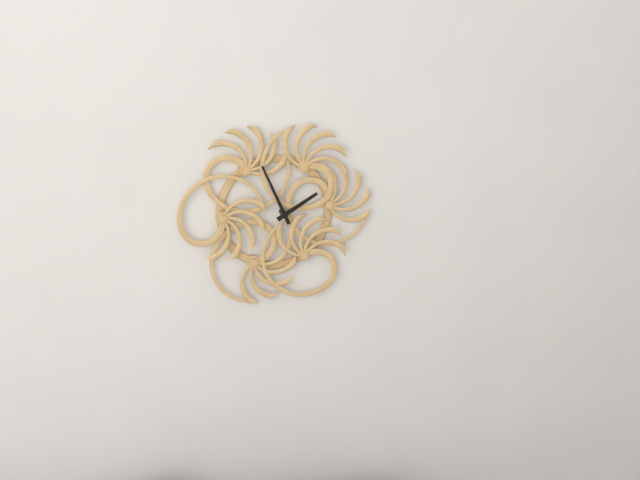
1.56
